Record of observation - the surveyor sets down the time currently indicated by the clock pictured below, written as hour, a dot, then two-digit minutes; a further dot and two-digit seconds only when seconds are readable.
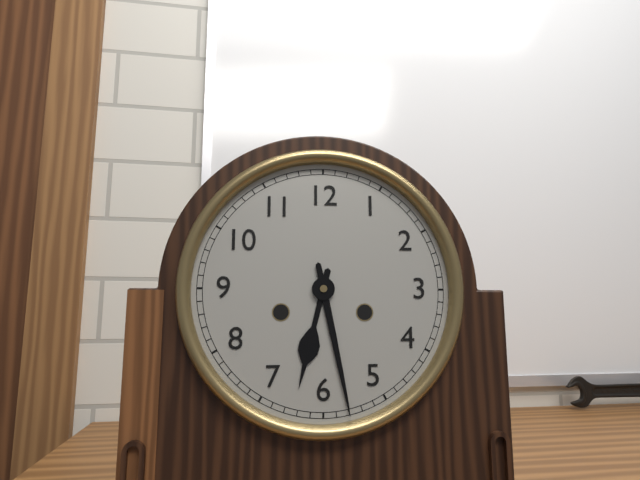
6.28
